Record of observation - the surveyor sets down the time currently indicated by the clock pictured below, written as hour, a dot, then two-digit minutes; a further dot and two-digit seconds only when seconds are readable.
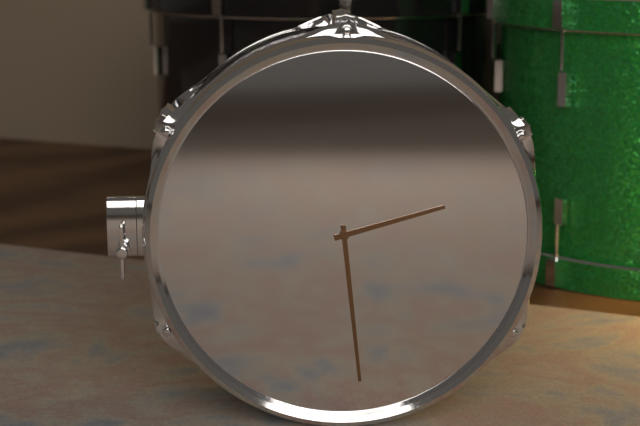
2.29
